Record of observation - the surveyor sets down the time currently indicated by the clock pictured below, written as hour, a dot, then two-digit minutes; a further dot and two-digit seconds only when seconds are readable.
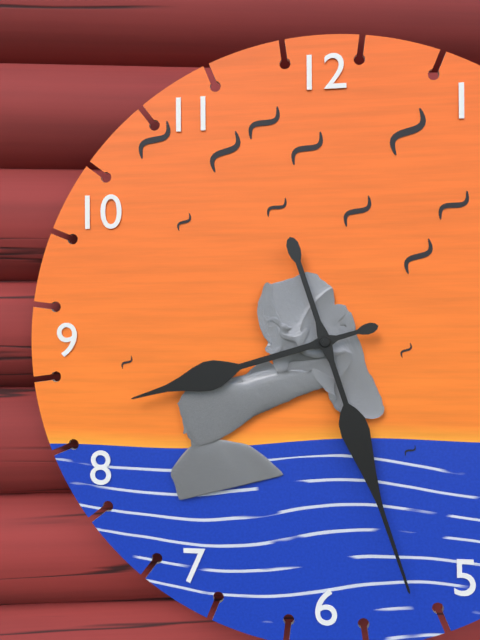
8.27
